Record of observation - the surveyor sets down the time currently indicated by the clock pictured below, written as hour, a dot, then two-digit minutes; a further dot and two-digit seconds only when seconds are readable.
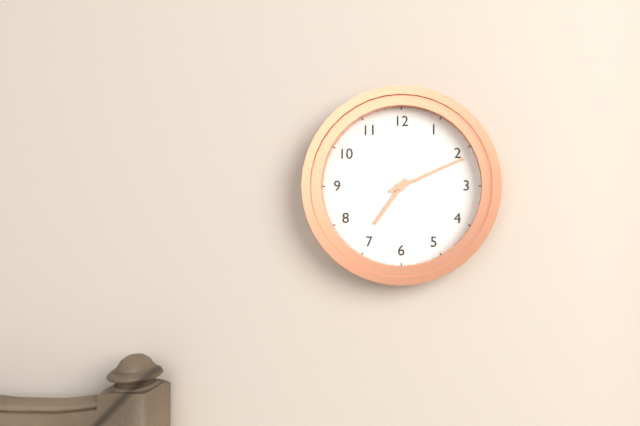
7.11
